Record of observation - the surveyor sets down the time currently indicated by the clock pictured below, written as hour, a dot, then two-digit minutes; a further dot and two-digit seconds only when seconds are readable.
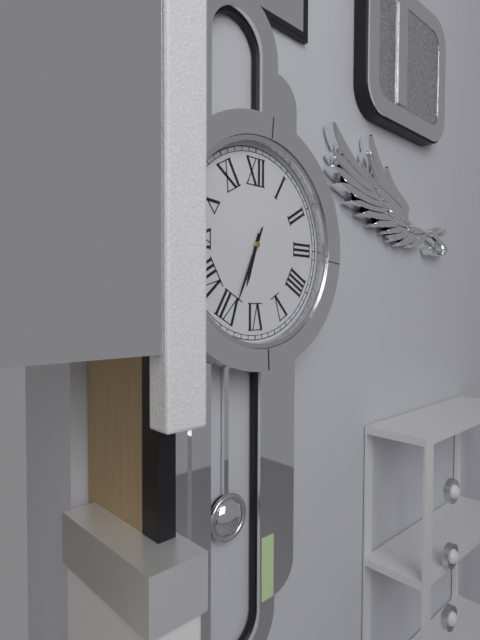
6.34
